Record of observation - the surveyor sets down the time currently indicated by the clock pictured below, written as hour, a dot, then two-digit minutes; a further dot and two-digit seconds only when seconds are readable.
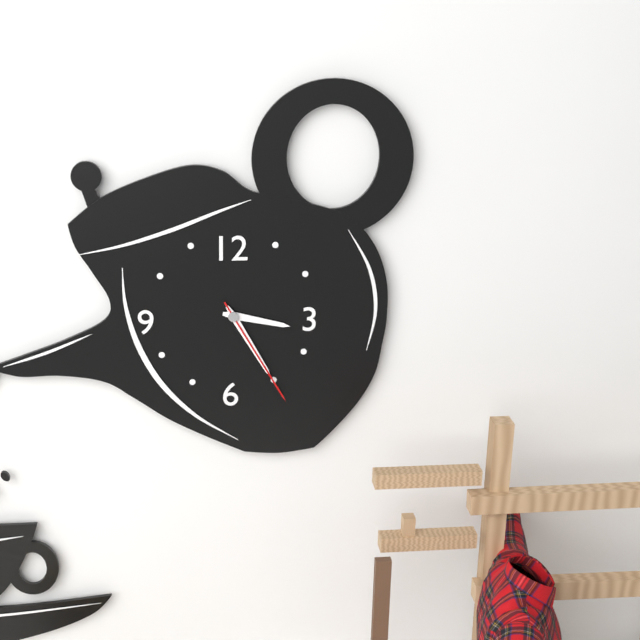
3.25.25
